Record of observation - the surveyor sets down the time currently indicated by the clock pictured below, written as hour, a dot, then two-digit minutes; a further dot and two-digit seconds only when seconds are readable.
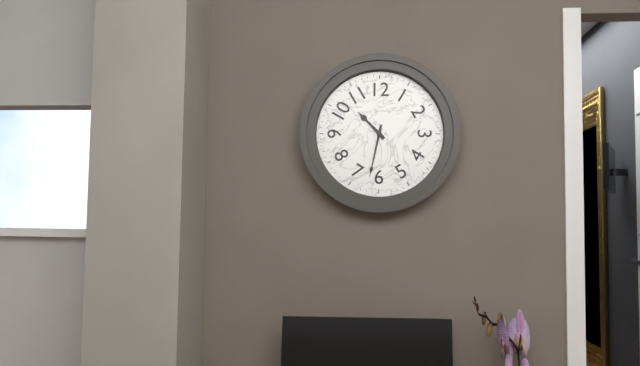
10.32
